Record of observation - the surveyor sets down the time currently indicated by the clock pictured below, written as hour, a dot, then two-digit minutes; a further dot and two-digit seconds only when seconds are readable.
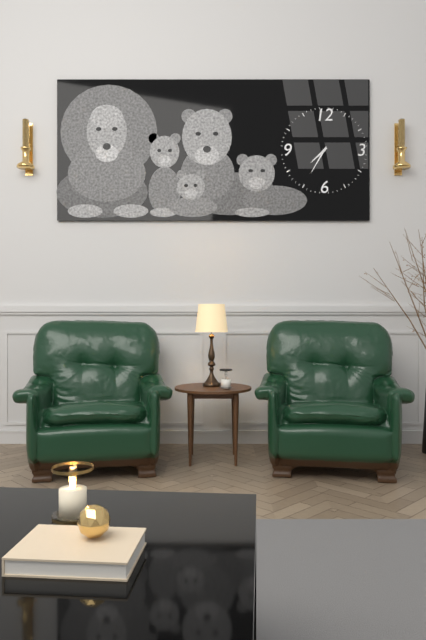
7.35
